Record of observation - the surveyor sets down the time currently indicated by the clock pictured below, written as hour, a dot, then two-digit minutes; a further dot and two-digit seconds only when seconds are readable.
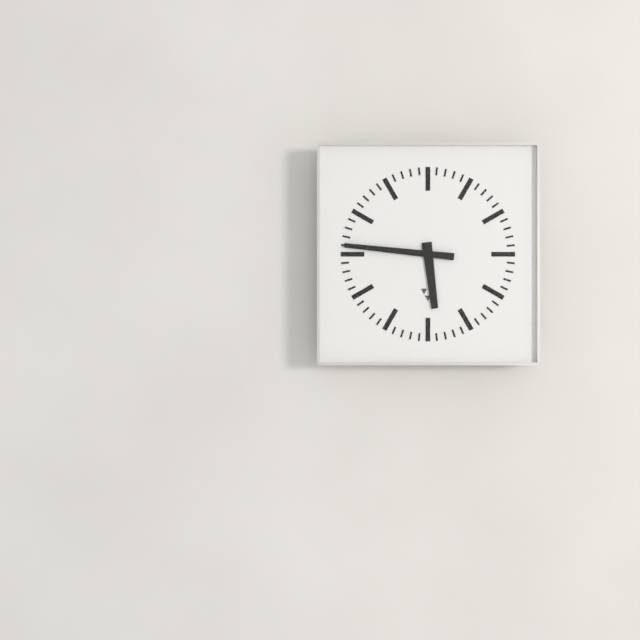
5.46
